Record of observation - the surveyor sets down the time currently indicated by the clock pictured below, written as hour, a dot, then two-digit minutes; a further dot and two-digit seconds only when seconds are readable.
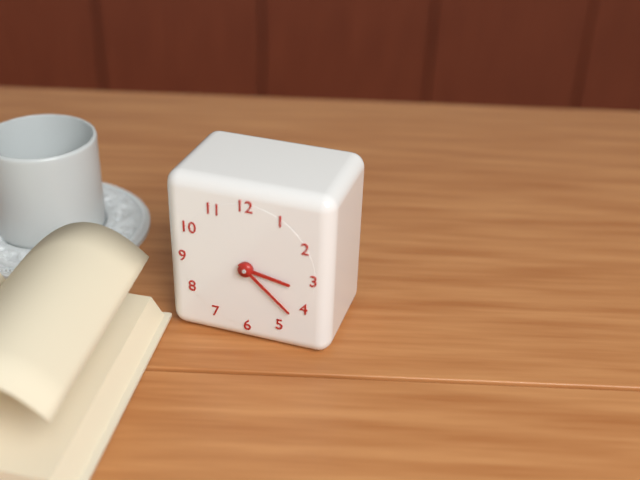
3.22
